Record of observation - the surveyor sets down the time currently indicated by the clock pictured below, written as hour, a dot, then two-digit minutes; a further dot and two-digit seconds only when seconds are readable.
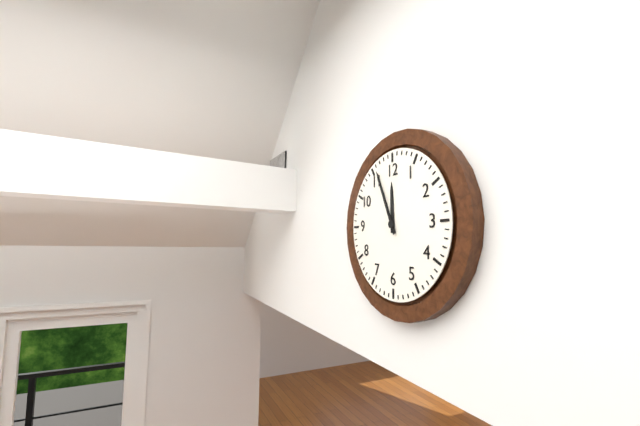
11.56
